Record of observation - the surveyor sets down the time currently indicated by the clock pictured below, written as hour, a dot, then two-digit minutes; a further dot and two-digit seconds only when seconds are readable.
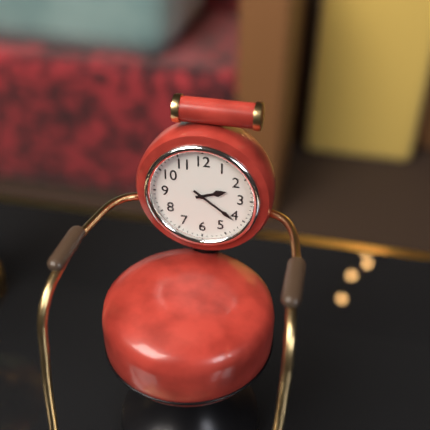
2.21
